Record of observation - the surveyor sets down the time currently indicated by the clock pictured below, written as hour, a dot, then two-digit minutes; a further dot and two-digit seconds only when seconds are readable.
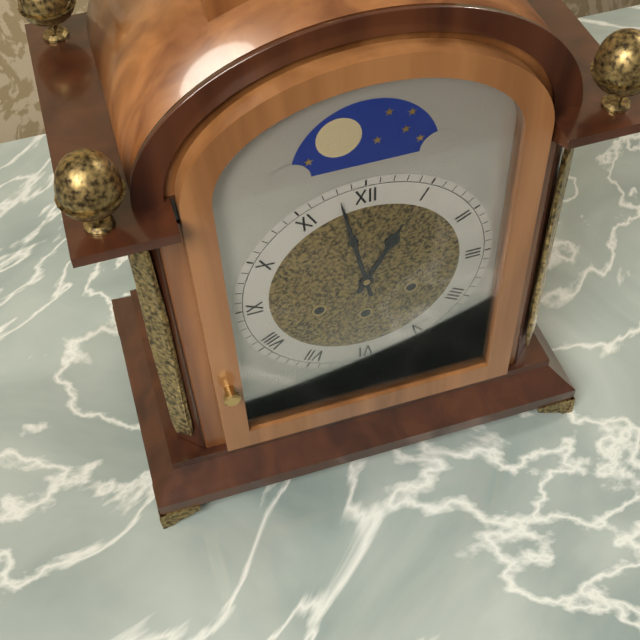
12.58
